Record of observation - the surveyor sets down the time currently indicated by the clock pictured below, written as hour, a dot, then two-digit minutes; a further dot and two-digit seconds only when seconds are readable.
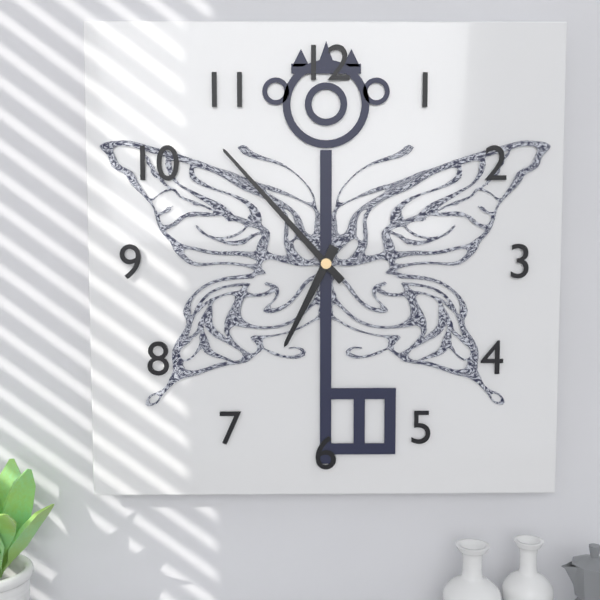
6.53
